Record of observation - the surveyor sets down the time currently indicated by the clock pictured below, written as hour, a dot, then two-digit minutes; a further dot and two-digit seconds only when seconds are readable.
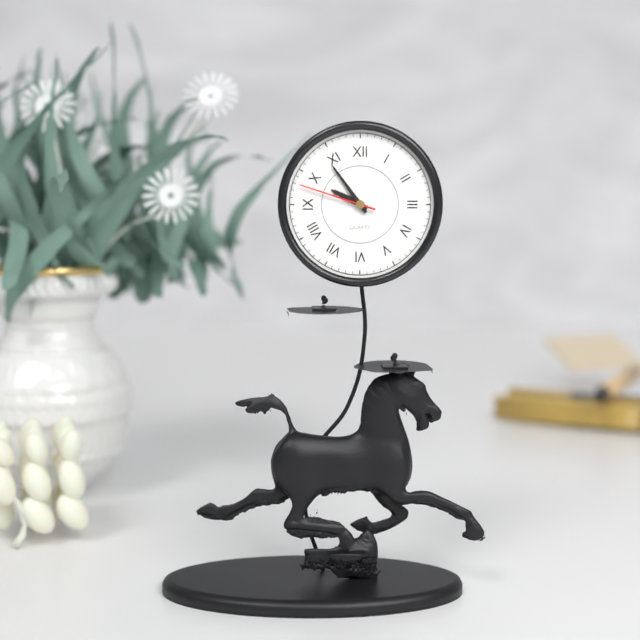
9.54.48
